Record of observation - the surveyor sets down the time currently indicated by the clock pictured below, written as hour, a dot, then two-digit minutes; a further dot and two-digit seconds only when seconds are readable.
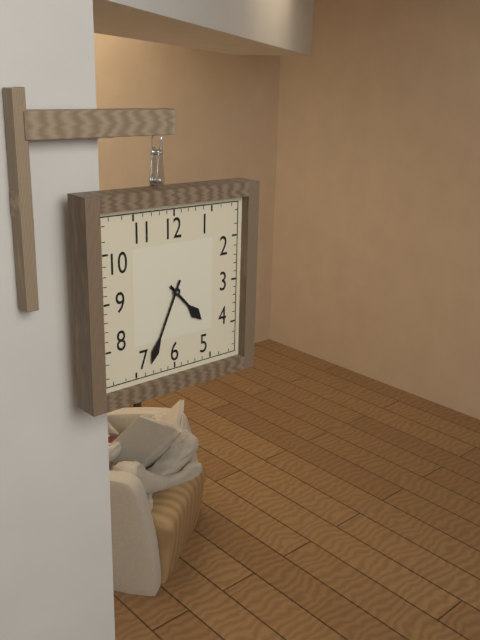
4.34
